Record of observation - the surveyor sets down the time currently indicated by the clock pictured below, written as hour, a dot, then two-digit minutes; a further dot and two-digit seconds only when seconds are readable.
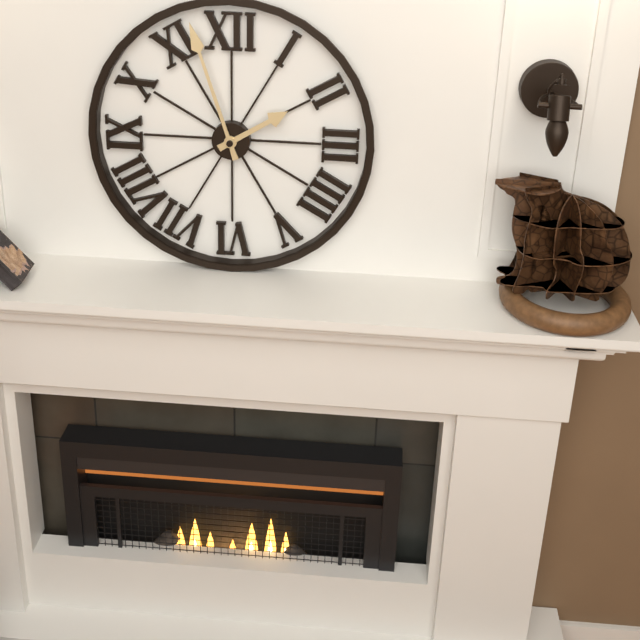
1.57
